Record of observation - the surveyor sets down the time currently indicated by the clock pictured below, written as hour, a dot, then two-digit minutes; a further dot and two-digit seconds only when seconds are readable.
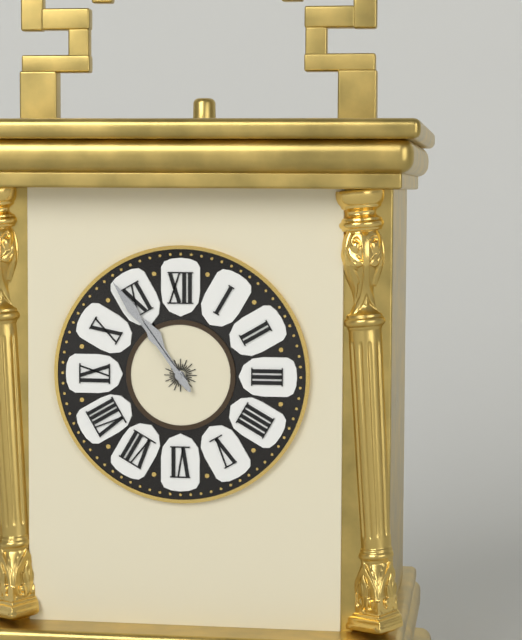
10.54
